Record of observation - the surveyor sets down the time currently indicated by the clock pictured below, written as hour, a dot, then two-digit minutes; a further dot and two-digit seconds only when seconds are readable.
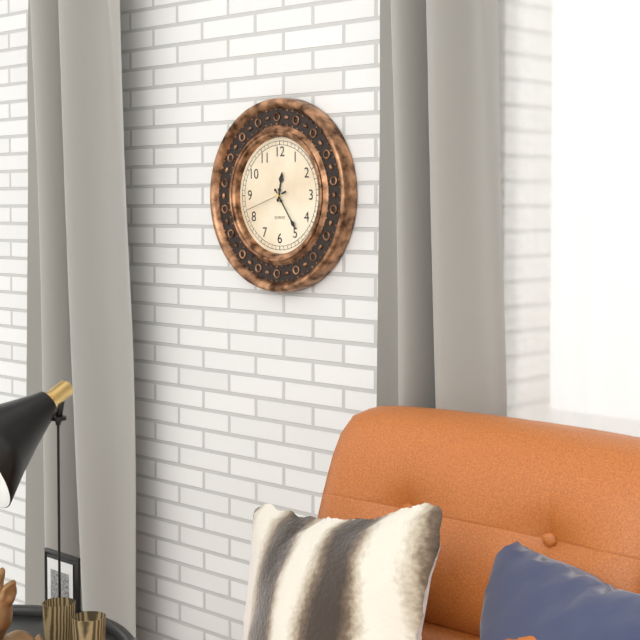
12.24
